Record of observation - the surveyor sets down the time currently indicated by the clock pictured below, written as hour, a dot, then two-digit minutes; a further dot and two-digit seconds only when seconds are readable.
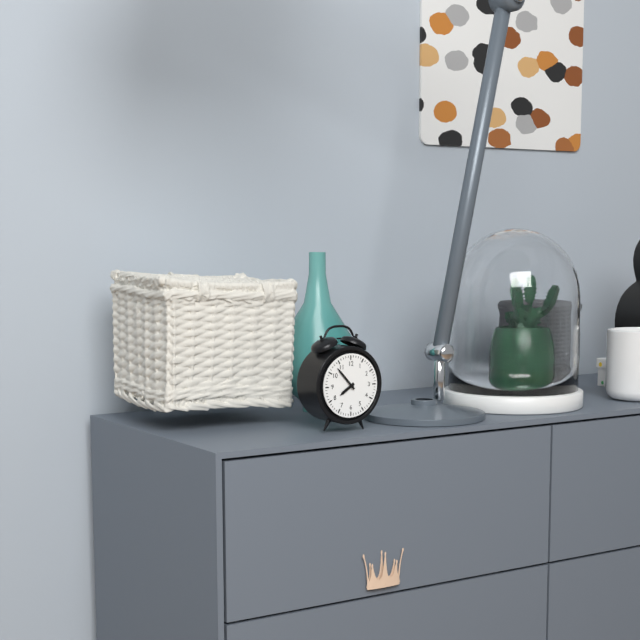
7.53
